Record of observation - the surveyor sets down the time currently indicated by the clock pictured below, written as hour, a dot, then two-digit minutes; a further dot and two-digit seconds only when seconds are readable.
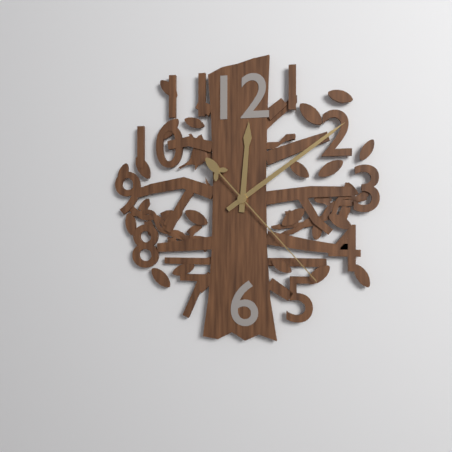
12.09.23
